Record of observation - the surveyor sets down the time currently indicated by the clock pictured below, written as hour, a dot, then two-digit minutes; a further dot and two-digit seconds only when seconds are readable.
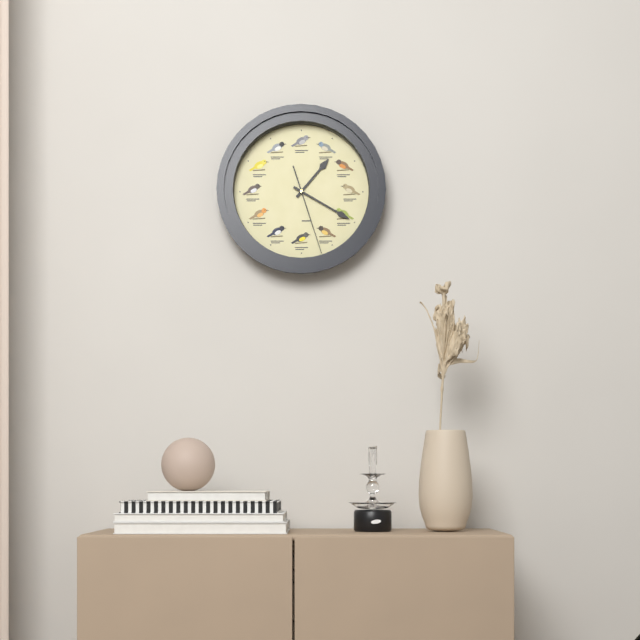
1.20.27
